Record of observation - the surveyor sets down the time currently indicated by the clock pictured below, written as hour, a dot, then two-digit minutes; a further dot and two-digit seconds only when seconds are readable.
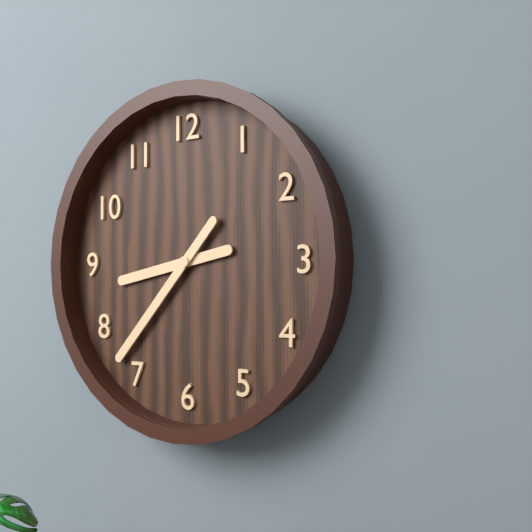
8.37
